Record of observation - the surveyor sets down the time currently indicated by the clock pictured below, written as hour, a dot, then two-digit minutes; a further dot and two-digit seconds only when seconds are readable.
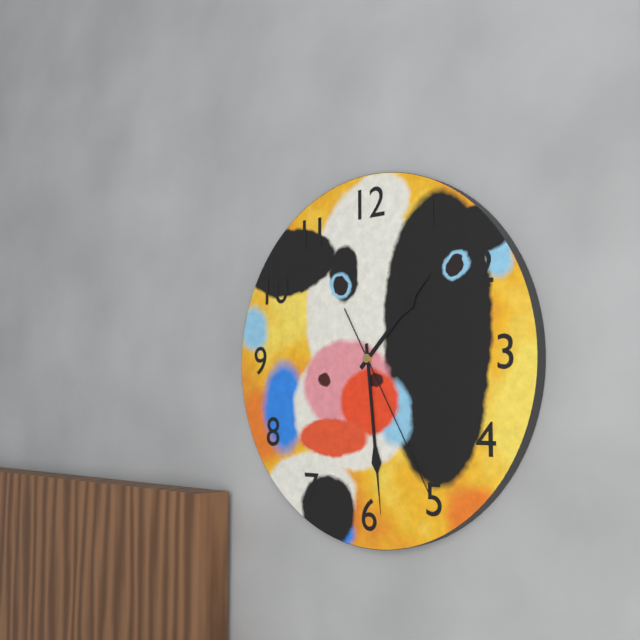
1.29.25
